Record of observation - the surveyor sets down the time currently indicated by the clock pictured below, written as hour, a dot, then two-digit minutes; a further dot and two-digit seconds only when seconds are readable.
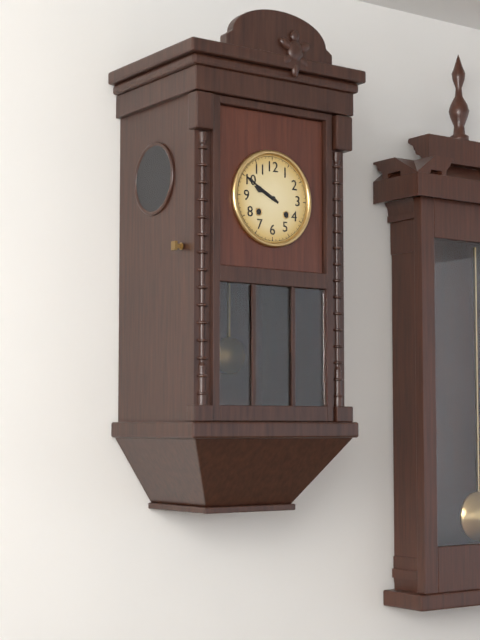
9.50
